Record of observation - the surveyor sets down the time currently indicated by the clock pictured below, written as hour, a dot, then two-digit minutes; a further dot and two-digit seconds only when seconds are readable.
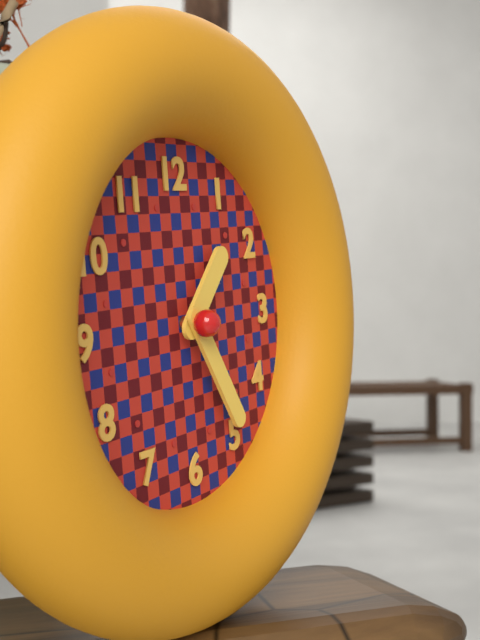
1.25
